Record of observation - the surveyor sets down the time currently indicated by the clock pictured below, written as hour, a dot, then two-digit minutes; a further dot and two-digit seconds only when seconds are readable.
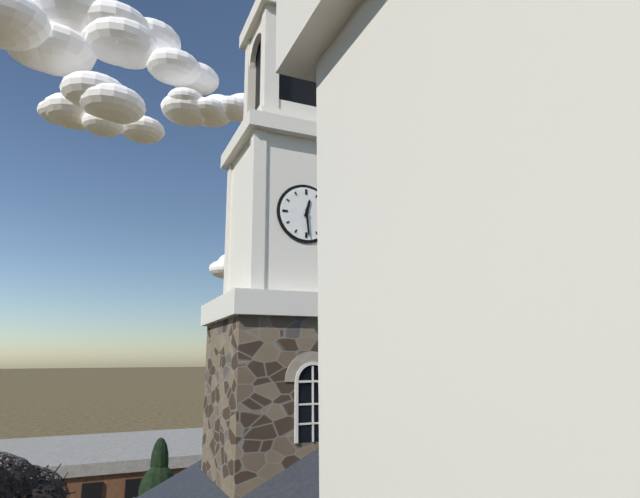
12.29
